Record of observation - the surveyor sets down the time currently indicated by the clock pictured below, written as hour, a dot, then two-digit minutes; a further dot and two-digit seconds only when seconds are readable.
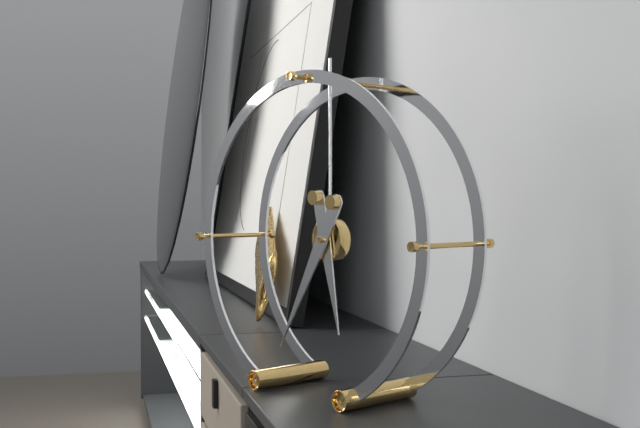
5.35
